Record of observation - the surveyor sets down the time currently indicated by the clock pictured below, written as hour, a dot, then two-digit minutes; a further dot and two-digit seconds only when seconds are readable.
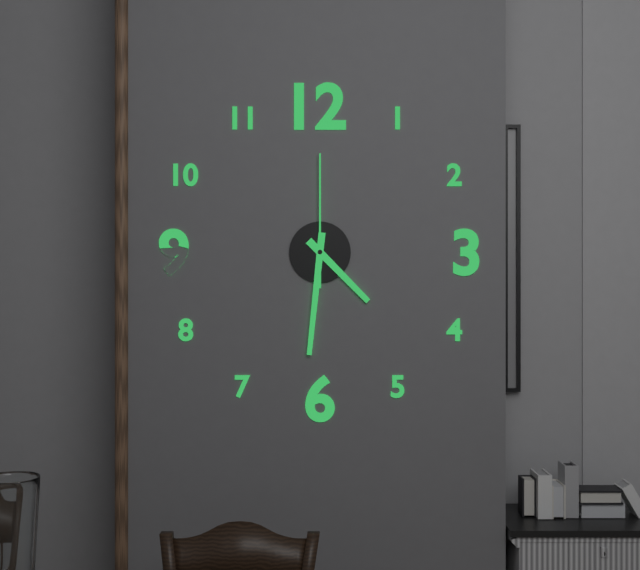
4.31.00
